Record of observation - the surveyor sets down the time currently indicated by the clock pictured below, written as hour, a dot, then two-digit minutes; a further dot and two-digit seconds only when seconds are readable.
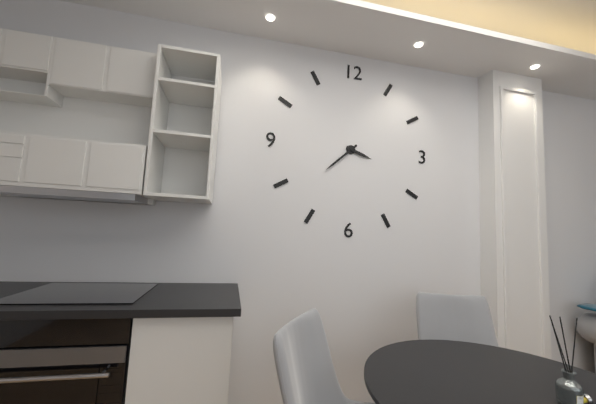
3.38
